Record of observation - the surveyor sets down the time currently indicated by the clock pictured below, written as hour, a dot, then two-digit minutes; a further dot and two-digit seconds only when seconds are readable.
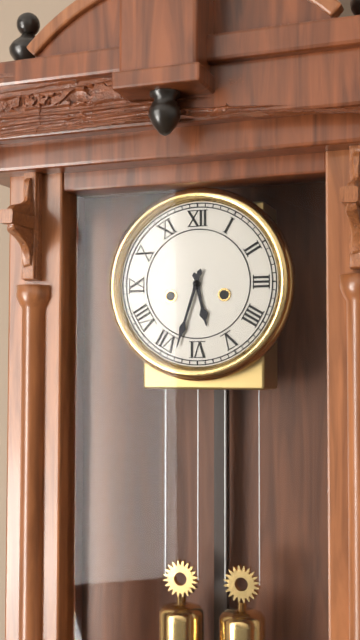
5.33
